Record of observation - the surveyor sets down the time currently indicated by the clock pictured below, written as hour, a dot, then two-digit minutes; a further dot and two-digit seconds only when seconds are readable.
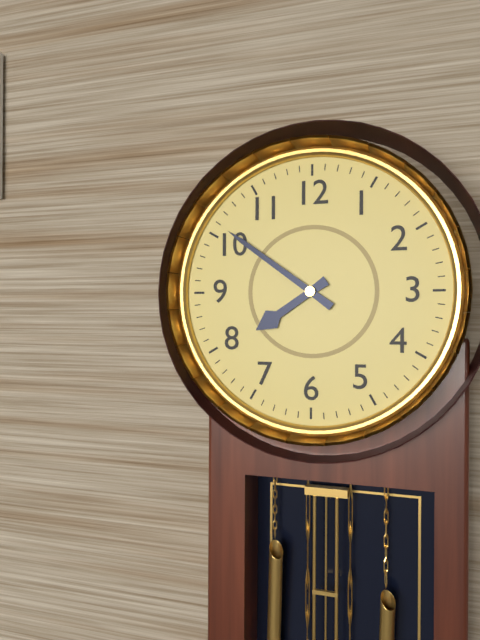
7.51
